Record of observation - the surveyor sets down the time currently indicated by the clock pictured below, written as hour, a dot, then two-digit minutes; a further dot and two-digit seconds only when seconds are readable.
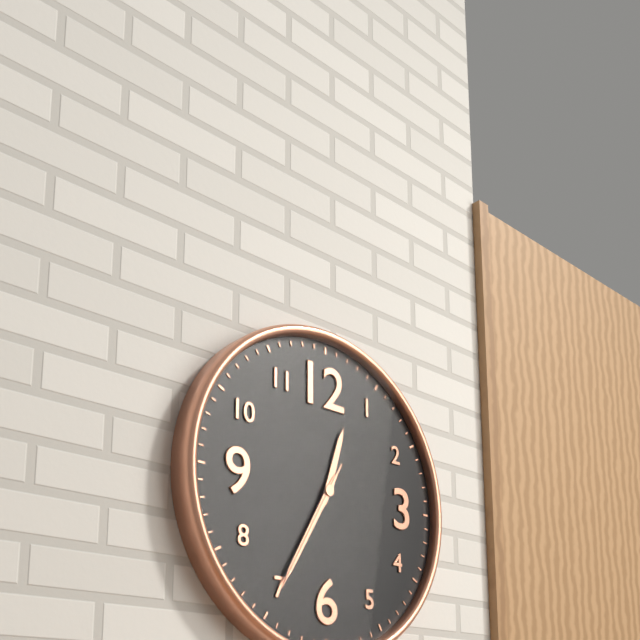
12.35.35
